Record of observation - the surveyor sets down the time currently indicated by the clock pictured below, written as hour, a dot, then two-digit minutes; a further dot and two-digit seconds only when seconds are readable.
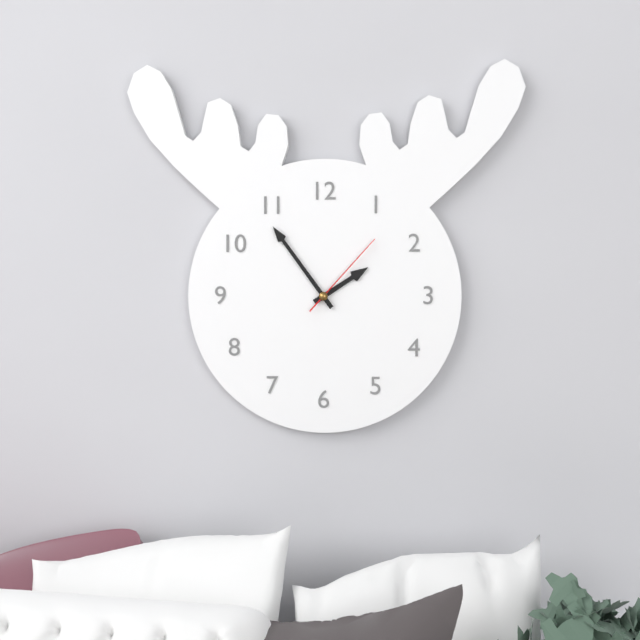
1.54.07
